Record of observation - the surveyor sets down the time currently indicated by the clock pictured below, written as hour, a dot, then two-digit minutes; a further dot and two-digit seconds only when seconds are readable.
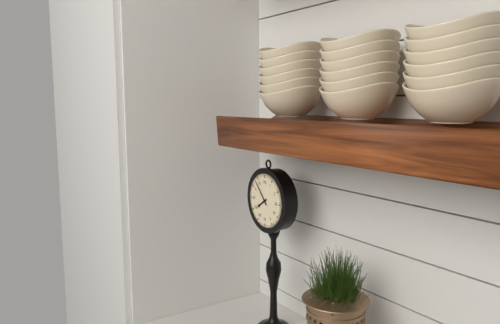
7.53
